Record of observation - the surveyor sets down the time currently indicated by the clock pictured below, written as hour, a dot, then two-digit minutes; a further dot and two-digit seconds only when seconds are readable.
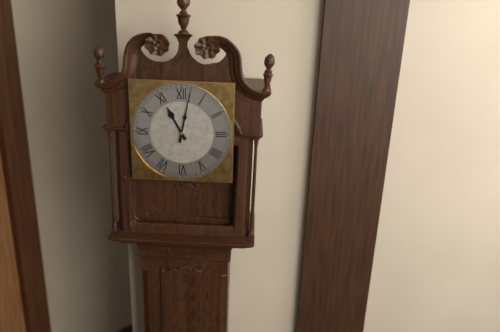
11.02
